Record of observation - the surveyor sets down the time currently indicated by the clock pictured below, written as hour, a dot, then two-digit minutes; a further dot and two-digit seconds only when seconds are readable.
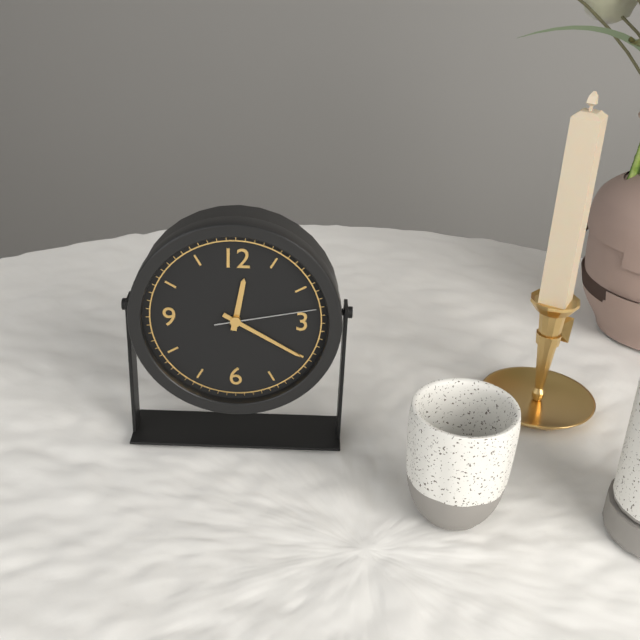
12.20.13
